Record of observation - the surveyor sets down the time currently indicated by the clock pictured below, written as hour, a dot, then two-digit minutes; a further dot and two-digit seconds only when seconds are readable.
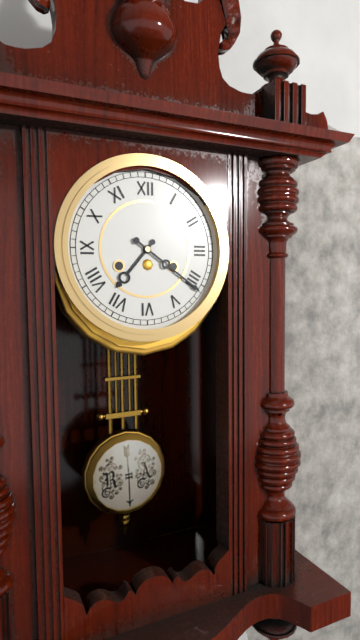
7.21
